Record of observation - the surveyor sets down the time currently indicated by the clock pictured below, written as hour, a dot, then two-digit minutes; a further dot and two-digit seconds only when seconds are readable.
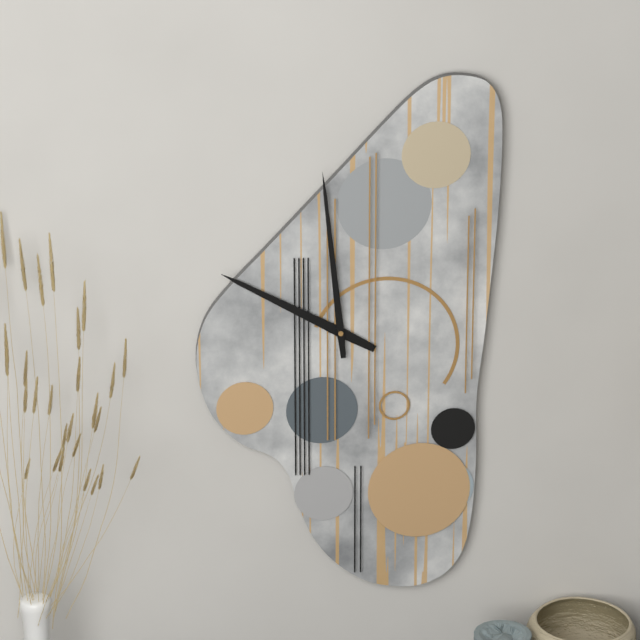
9.59
